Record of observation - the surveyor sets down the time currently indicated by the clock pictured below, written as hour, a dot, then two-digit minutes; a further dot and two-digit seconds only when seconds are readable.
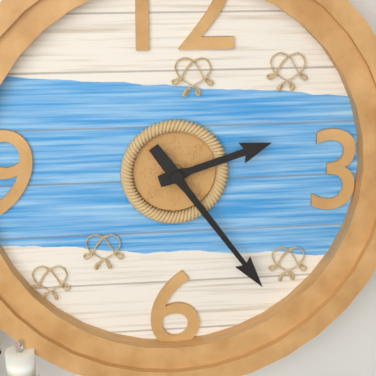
2.24
